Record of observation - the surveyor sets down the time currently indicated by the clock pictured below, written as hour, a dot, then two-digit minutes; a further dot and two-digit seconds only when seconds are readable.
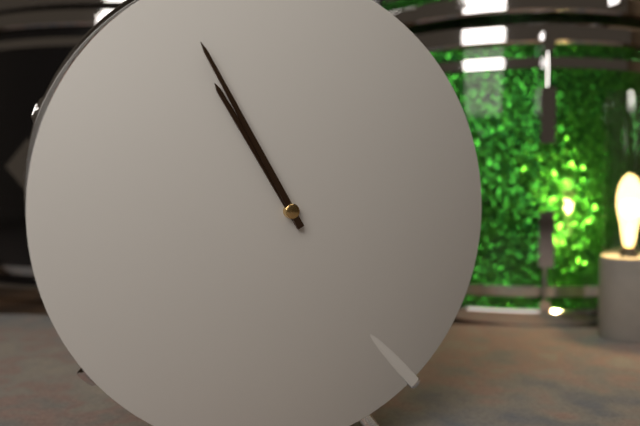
10.55
